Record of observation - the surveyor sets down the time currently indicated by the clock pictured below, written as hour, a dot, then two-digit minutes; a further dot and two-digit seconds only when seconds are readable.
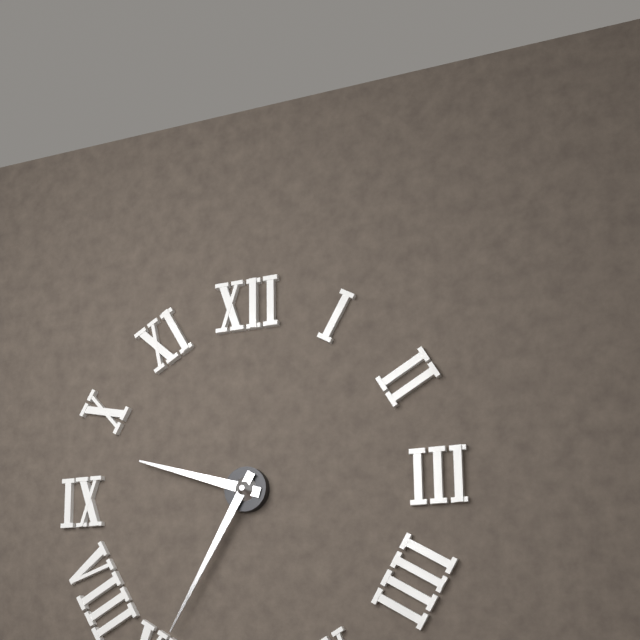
9.35
